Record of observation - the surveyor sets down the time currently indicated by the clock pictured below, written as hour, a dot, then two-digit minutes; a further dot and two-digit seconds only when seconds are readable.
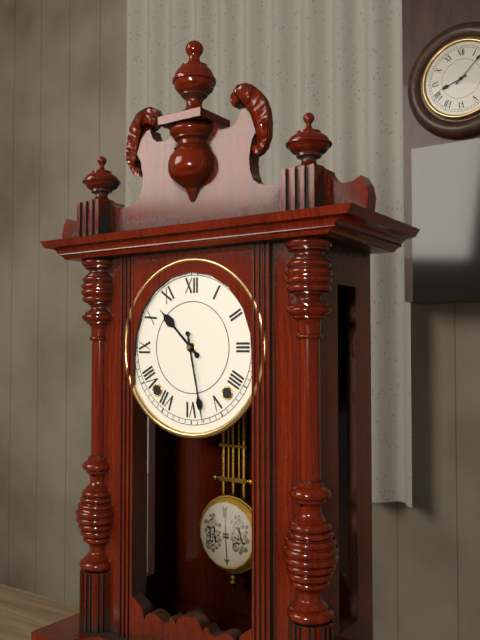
10.28
